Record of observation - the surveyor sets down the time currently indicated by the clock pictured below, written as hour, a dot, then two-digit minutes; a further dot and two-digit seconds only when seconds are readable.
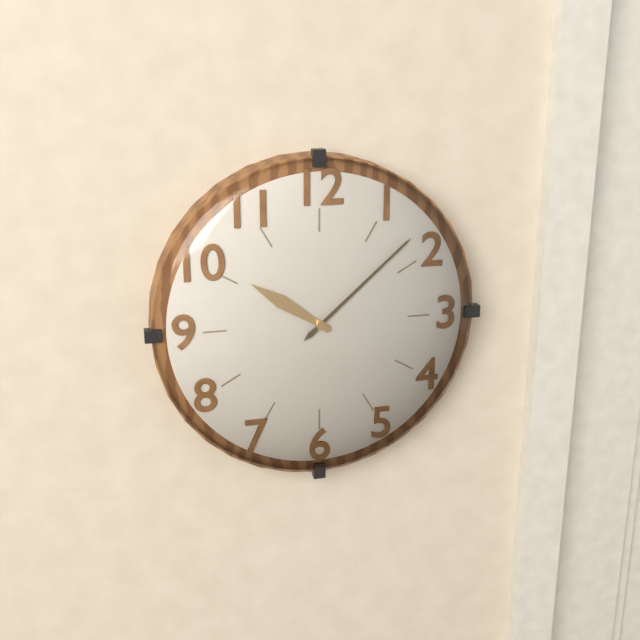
10.08
